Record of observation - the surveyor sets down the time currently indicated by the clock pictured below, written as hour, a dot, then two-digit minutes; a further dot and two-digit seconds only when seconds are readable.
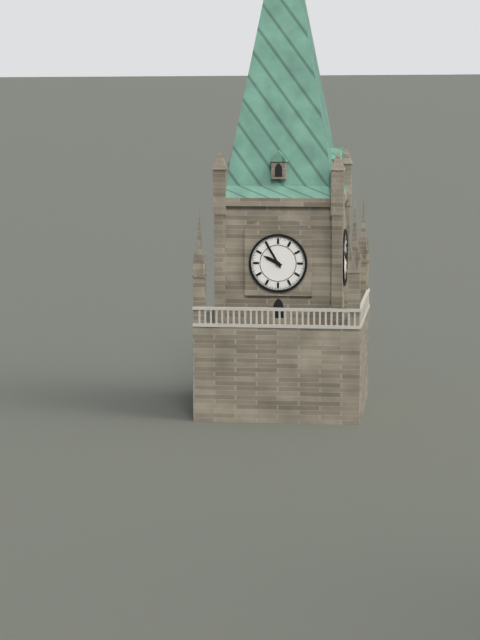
9.55
